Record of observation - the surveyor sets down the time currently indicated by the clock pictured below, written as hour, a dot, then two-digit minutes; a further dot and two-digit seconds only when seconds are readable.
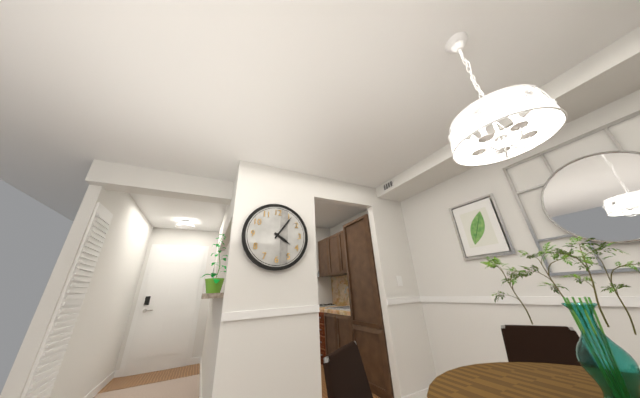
4.06
